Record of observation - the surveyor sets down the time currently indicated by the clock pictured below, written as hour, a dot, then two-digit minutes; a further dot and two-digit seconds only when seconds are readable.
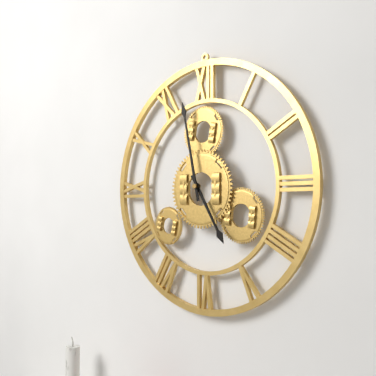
4.58
